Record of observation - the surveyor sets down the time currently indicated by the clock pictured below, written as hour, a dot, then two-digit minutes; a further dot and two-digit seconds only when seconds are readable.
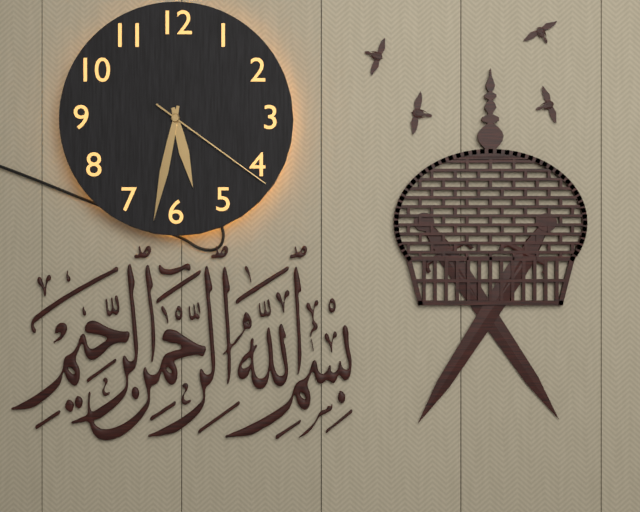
5.32.21
